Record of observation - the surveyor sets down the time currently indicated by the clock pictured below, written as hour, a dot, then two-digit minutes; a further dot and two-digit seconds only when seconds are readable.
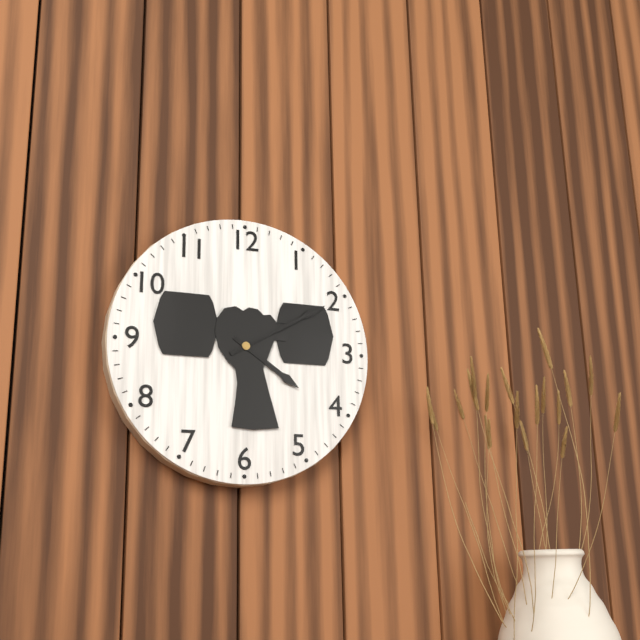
4.10
